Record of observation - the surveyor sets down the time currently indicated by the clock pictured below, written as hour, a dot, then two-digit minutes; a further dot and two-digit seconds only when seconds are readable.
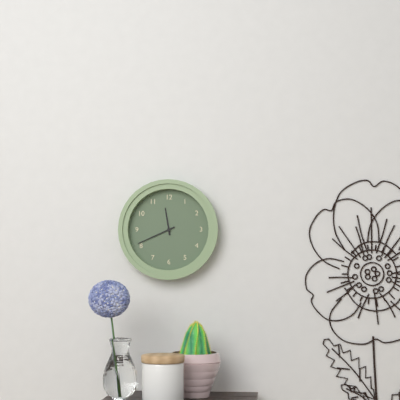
11.41
